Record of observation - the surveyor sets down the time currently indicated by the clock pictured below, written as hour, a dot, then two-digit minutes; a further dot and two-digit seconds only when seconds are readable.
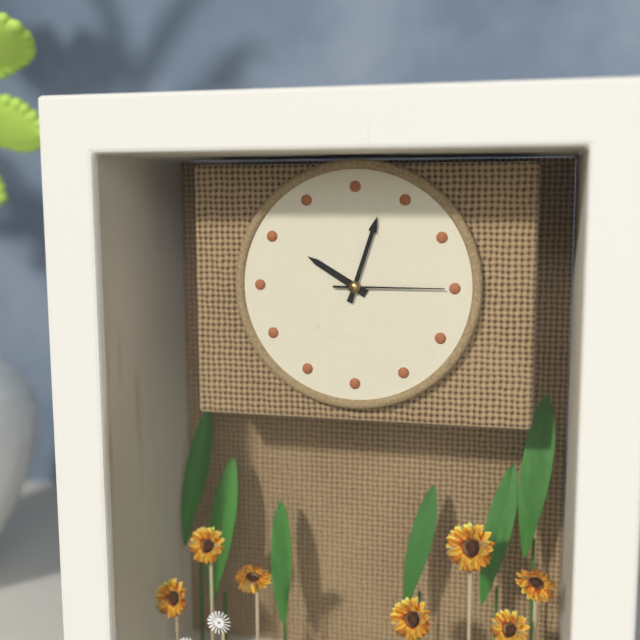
10.03.15
